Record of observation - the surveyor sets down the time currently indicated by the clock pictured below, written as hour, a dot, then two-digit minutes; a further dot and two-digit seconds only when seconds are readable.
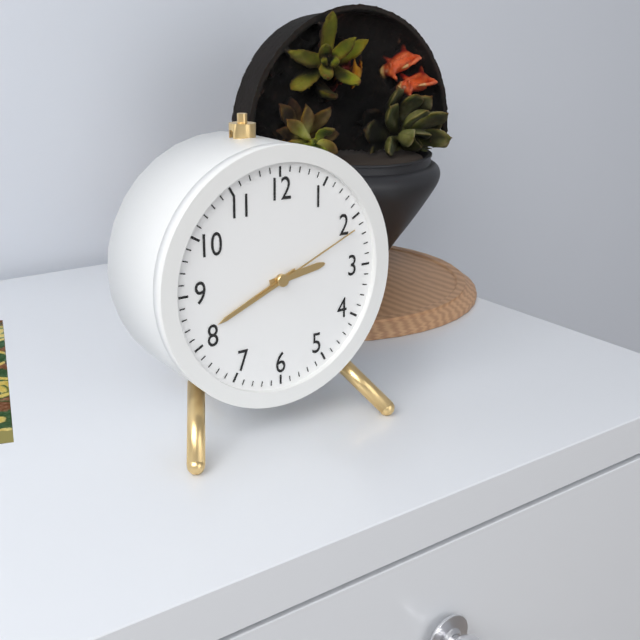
2.41.11
